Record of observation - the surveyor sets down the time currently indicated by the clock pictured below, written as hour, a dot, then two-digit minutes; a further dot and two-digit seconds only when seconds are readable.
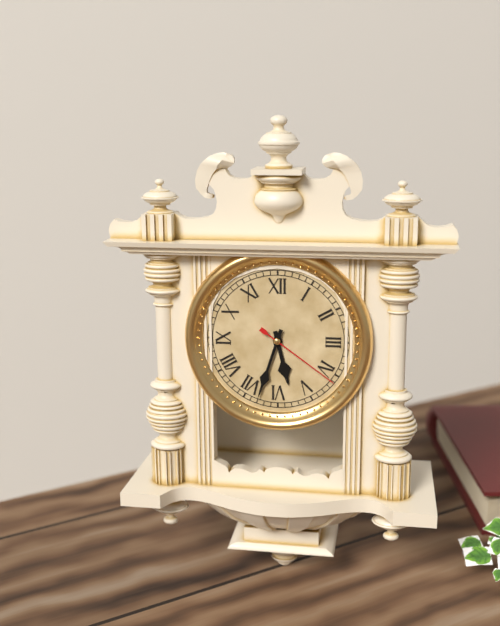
5.33.21
